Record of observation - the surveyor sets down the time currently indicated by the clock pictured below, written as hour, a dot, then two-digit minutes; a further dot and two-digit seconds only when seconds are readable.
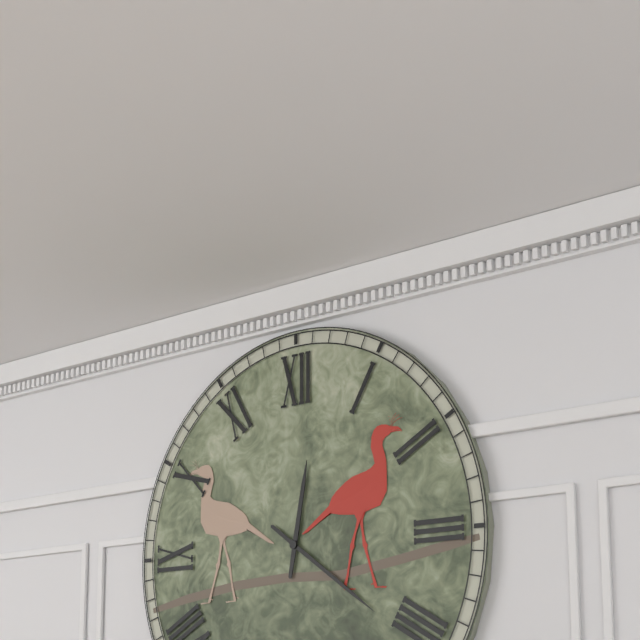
12.21
